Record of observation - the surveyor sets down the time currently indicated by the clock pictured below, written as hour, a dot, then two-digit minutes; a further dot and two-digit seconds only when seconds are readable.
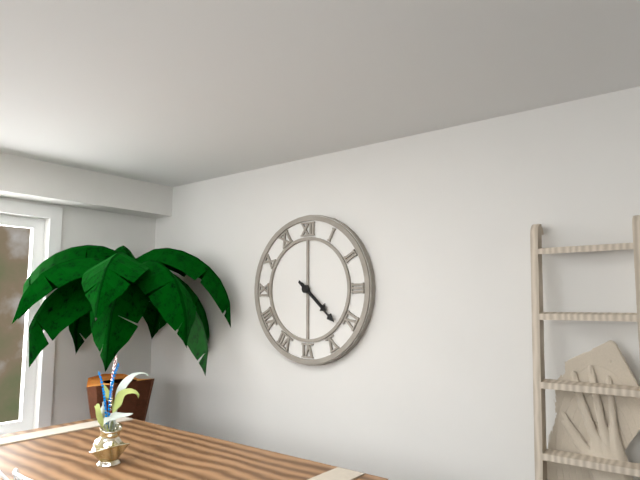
4.22
